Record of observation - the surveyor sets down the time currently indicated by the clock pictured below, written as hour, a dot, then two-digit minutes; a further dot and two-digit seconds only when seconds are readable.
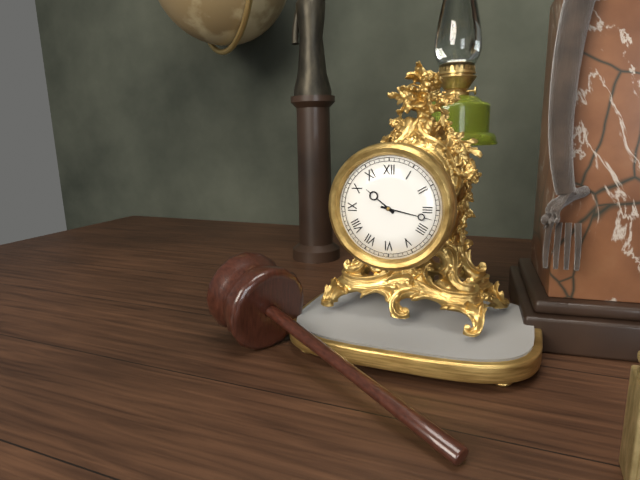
10.17
